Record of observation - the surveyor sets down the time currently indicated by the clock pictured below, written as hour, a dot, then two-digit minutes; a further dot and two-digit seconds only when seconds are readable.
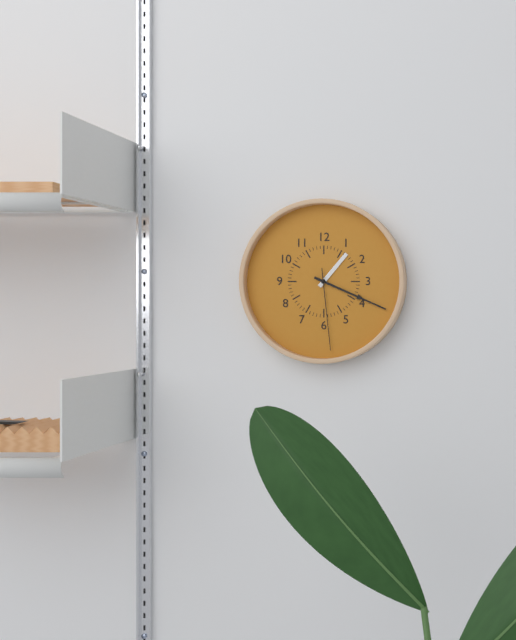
1.19.29
